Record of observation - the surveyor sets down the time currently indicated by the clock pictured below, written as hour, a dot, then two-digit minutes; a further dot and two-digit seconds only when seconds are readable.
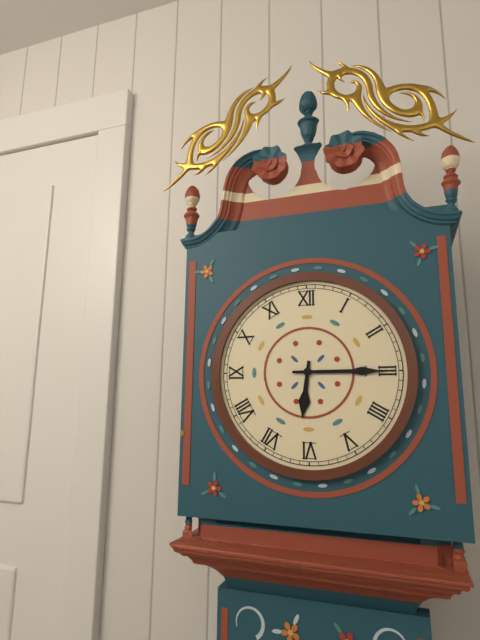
6.15
